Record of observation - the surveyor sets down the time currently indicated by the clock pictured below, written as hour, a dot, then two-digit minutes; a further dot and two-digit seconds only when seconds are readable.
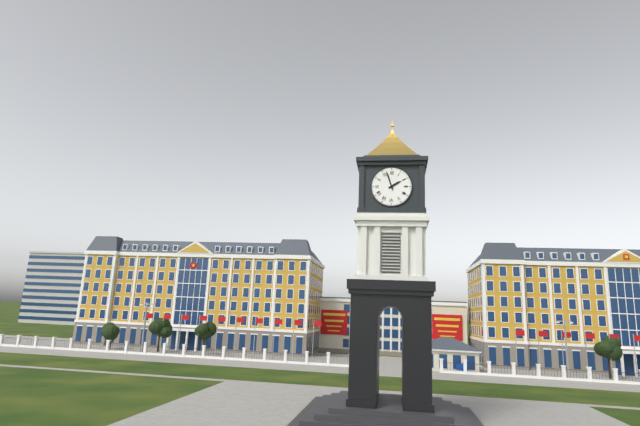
1.57
